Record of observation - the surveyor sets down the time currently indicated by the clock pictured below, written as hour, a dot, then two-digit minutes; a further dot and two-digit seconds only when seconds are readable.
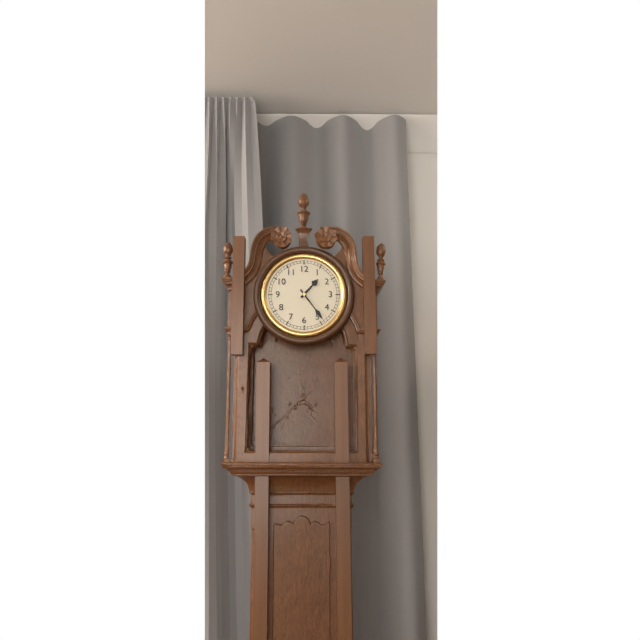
1.24
